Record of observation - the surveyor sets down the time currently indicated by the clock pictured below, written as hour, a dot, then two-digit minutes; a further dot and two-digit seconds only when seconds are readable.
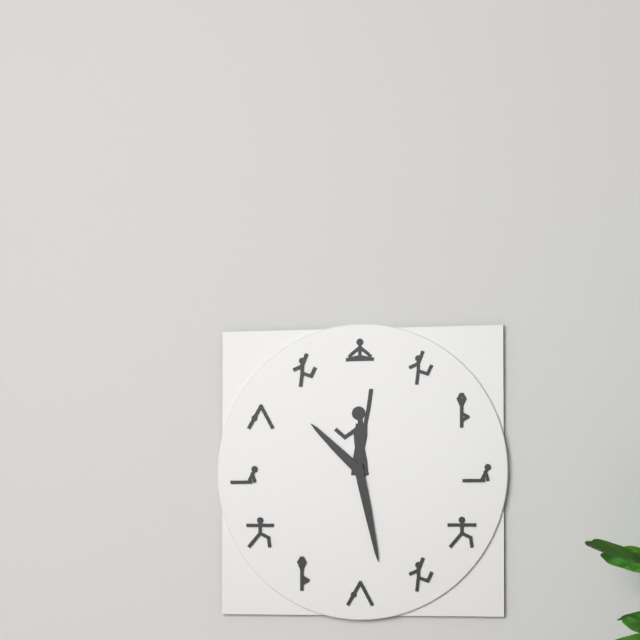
10.28
